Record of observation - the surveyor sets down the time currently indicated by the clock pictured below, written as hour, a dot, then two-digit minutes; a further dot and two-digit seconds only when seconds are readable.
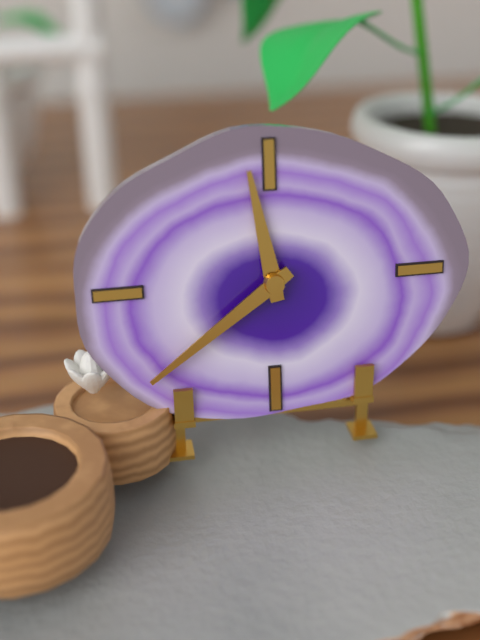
11.39
